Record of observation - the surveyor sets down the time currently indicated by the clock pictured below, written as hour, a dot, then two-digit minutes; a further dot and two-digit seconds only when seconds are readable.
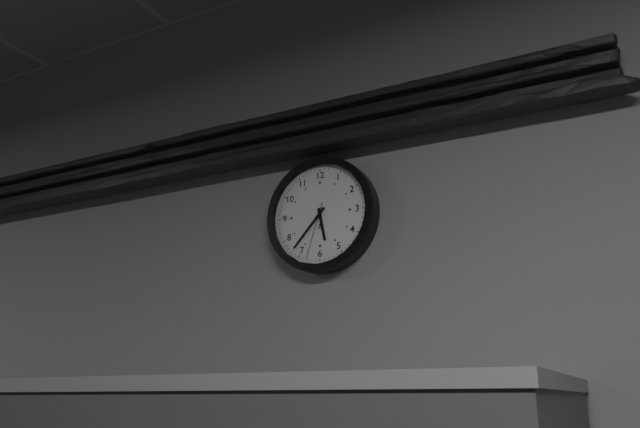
5.37.33
